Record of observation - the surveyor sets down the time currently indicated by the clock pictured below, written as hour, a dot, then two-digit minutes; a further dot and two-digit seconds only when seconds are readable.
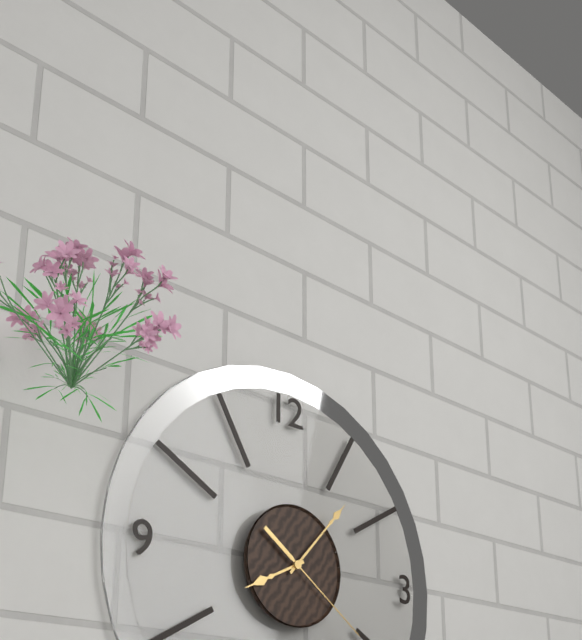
8.07.21
